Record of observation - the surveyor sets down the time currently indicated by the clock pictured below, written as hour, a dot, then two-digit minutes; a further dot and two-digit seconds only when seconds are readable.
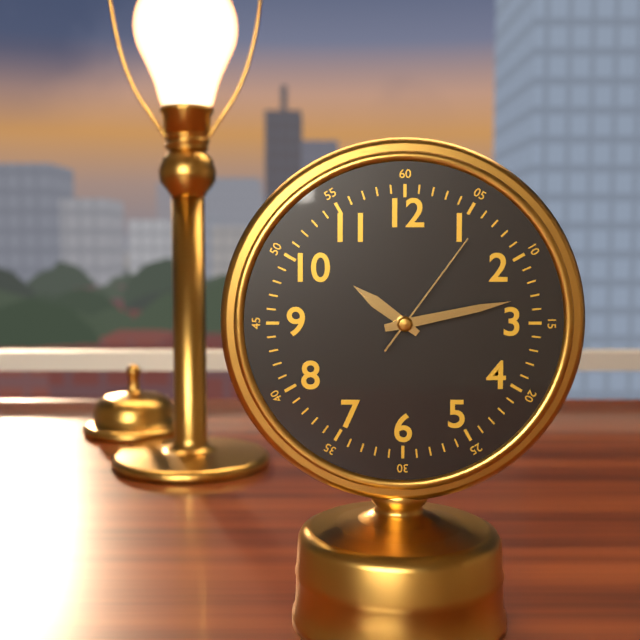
10.13.06
